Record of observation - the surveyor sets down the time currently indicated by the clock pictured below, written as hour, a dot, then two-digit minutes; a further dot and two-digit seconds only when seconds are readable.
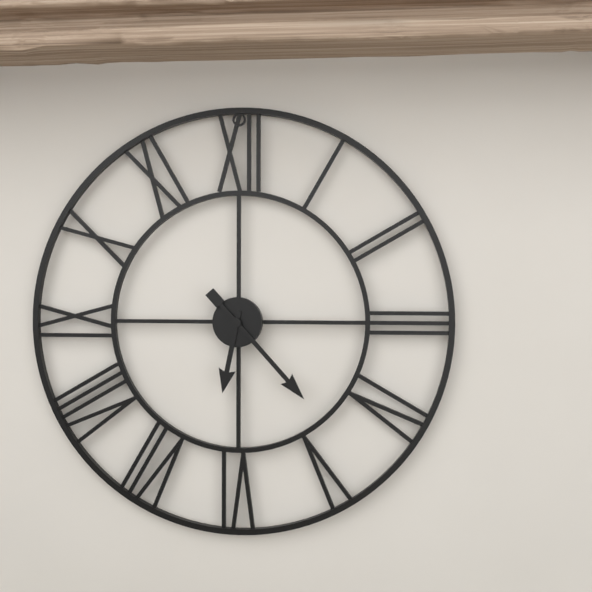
6.23
